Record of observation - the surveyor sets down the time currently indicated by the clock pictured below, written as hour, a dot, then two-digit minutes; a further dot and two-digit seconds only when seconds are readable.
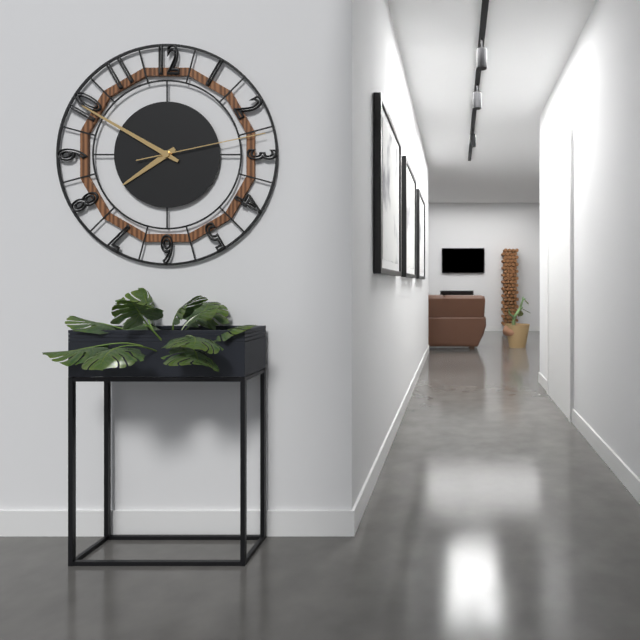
7.50.13
